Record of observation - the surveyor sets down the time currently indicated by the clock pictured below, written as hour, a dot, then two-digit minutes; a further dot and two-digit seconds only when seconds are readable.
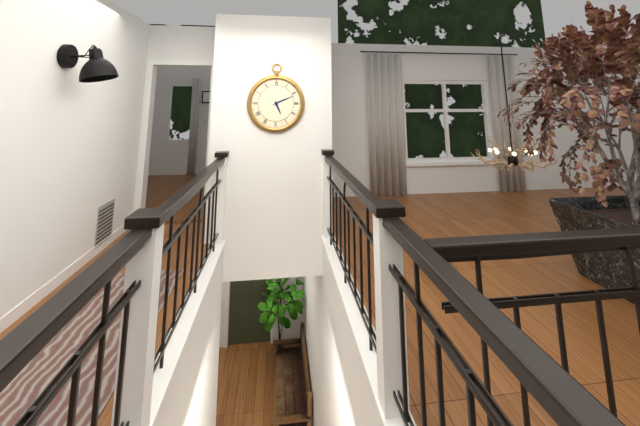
5.11
